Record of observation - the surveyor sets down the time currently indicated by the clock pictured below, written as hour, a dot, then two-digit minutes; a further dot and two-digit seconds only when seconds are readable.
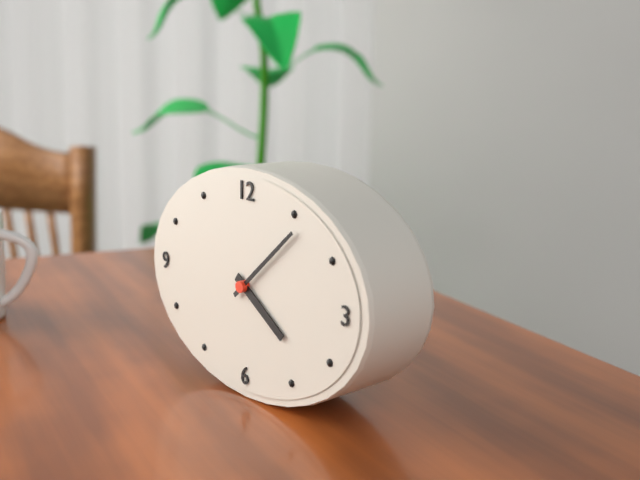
4.08
